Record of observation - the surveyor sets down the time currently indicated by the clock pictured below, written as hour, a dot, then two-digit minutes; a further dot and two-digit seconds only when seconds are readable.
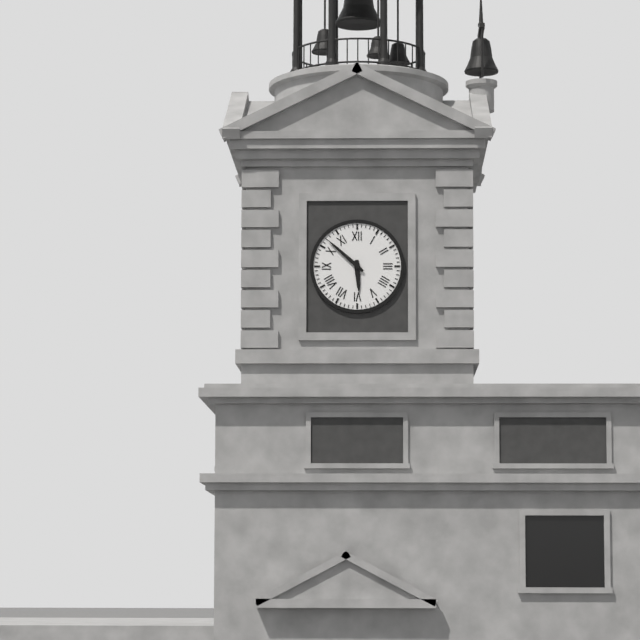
5.52
